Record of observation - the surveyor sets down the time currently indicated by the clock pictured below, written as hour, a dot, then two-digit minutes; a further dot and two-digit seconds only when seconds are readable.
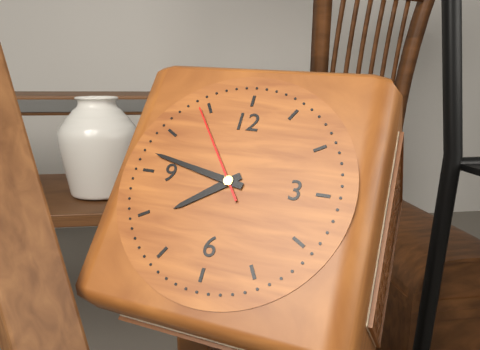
7.47.54
